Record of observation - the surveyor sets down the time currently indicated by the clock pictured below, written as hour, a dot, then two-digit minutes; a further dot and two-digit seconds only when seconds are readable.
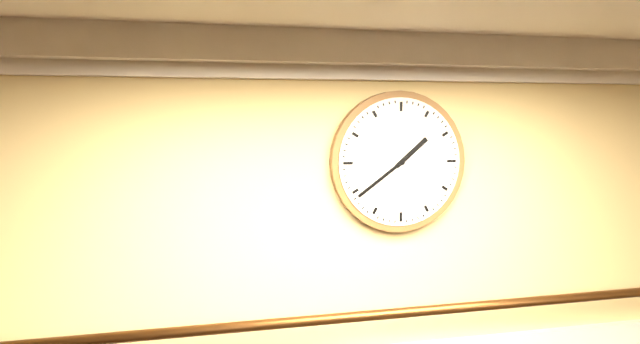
1.39
